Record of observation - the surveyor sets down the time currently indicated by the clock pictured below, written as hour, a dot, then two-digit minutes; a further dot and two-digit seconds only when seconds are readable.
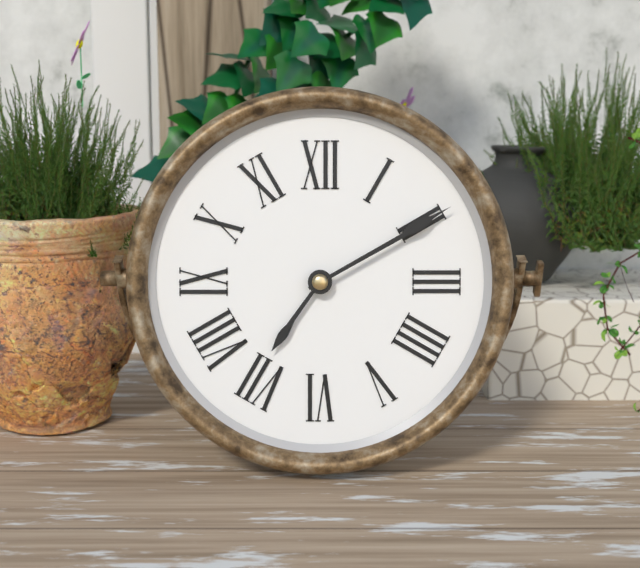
7.10
